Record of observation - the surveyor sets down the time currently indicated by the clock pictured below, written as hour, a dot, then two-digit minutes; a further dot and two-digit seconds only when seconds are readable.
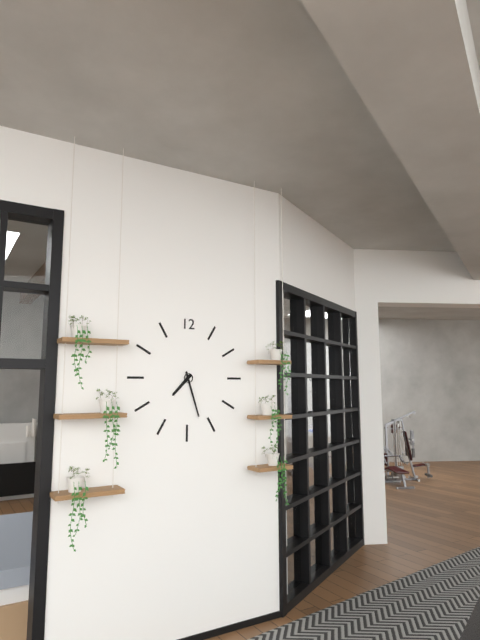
7.27
